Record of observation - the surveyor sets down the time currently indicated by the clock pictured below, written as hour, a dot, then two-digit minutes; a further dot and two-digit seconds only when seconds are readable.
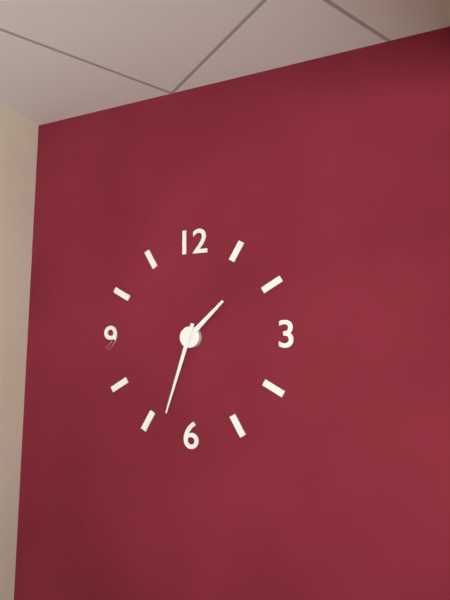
1.33
